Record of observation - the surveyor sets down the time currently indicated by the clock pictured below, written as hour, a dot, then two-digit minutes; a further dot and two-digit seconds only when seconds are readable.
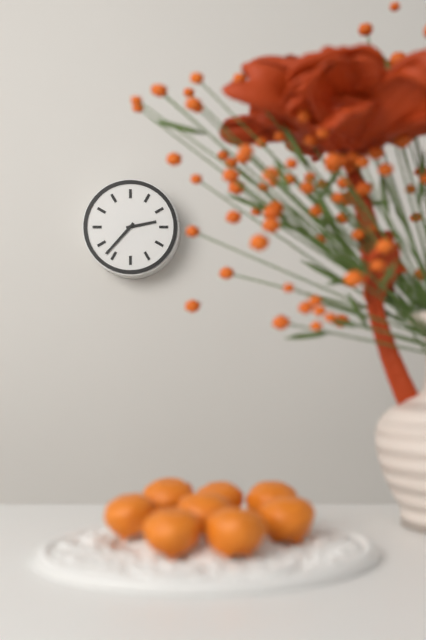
2.37
